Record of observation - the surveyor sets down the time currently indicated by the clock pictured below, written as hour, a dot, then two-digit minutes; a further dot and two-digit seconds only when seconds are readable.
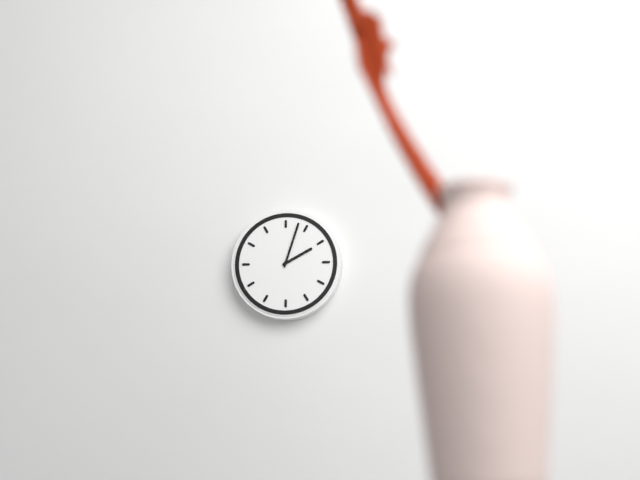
2.03
